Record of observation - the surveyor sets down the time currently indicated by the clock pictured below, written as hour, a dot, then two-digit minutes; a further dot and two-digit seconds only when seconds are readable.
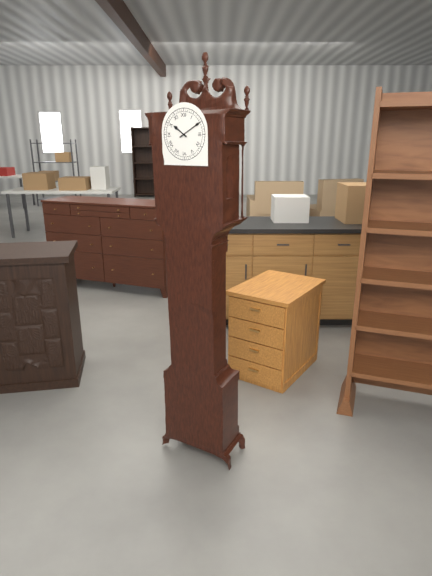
10.10
